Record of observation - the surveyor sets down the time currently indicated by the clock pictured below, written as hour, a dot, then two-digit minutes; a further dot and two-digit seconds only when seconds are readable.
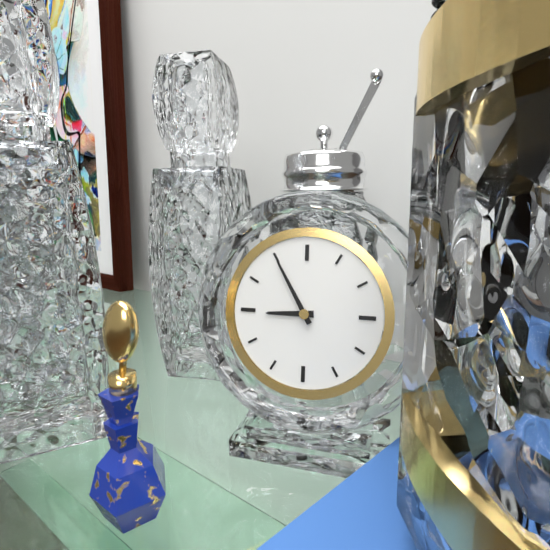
8.55
